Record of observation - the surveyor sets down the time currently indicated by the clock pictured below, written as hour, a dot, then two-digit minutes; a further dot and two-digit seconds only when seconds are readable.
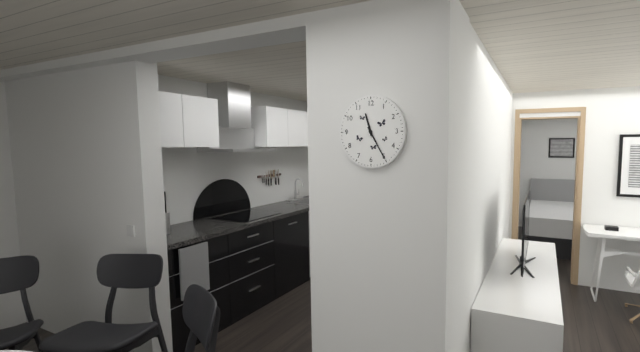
11.25
